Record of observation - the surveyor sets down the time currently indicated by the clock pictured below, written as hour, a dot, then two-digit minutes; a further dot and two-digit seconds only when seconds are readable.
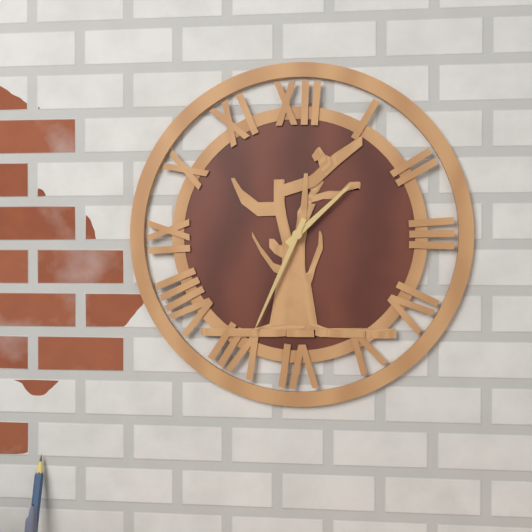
1.34
